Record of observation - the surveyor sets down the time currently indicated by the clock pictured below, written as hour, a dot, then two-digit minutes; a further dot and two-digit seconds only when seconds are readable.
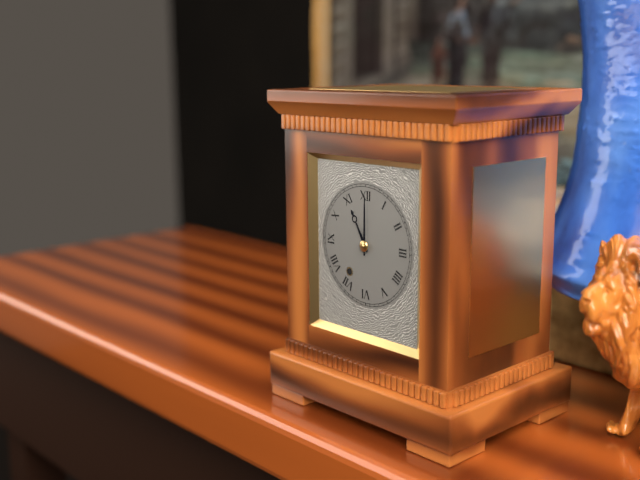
11.00
